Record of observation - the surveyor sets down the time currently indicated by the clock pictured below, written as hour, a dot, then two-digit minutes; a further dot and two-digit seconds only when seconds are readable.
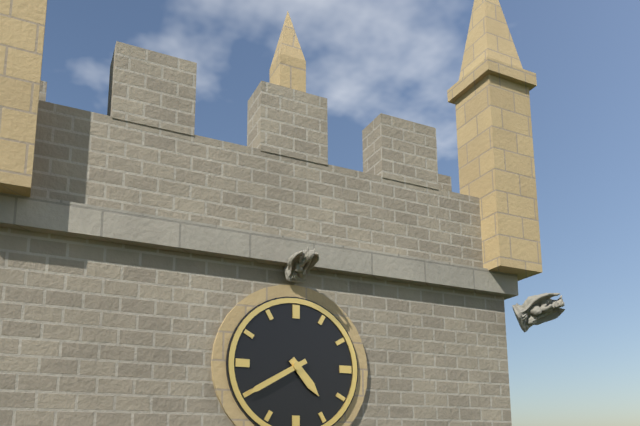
4.40
